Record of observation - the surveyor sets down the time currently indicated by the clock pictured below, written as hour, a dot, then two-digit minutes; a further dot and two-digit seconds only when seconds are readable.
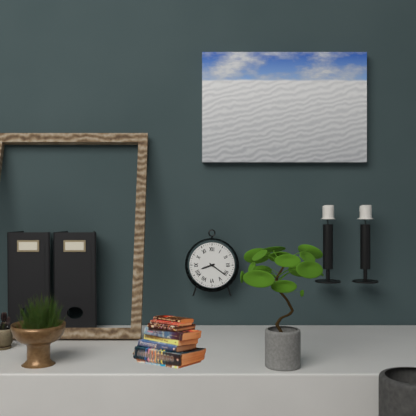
8.21
